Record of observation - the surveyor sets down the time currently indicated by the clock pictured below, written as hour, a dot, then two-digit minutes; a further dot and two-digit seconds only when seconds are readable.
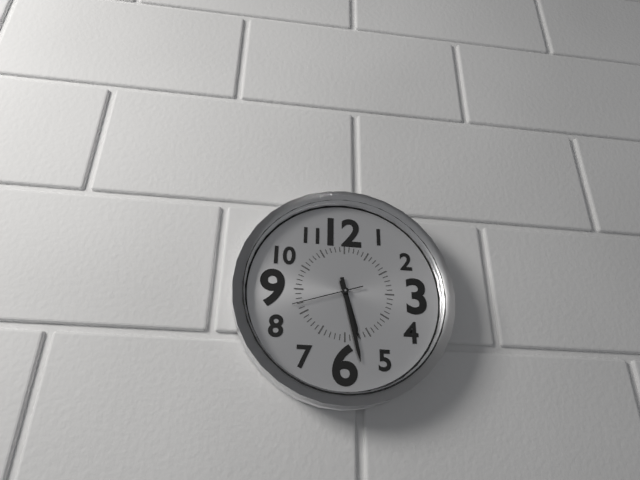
5.28.42
